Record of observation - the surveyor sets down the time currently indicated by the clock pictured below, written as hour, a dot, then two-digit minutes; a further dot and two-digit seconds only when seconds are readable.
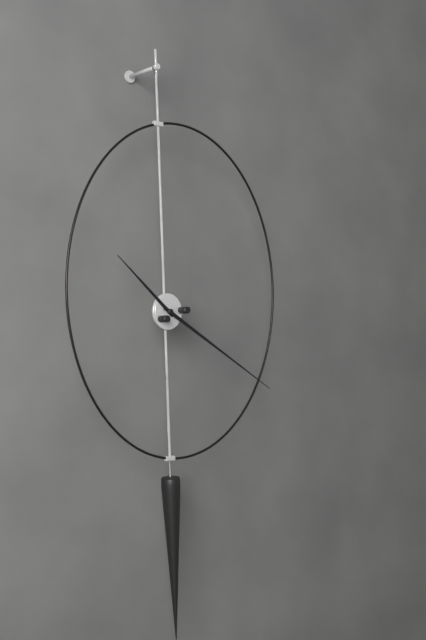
10.20
